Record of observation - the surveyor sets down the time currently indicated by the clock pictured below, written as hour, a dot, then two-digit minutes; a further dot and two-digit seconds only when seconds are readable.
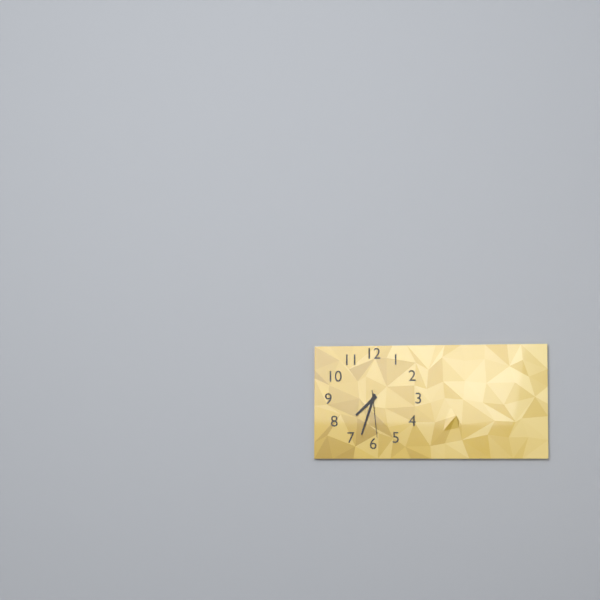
7.33
